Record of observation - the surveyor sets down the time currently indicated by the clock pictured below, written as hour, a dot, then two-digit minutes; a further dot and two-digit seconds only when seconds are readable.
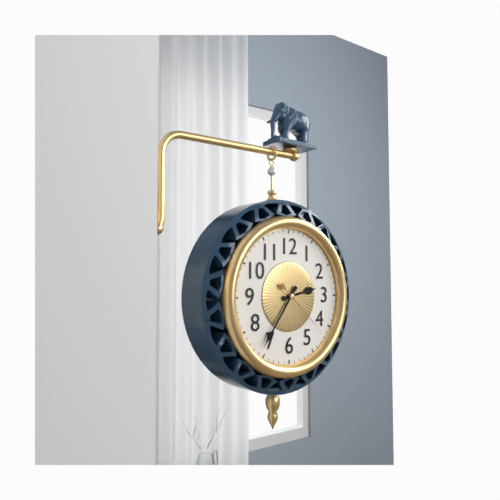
2.36.22
